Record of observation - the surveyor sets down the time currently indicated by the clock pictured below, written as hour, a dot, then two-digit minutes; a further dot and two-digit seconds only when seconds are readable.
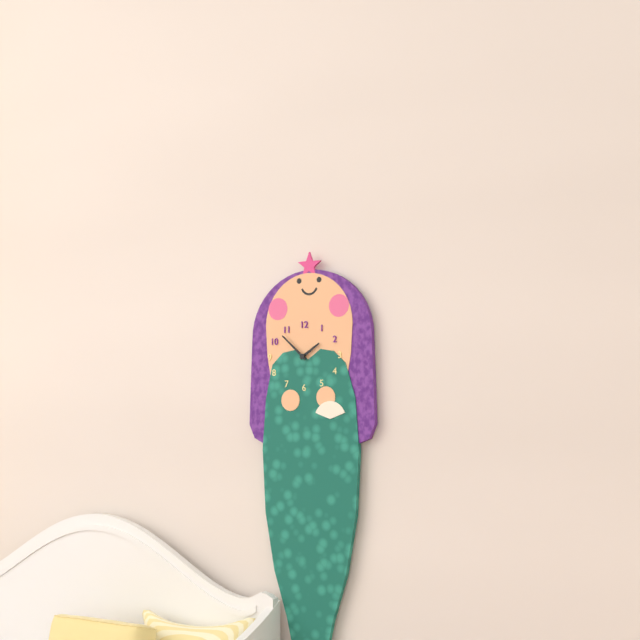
1.52
